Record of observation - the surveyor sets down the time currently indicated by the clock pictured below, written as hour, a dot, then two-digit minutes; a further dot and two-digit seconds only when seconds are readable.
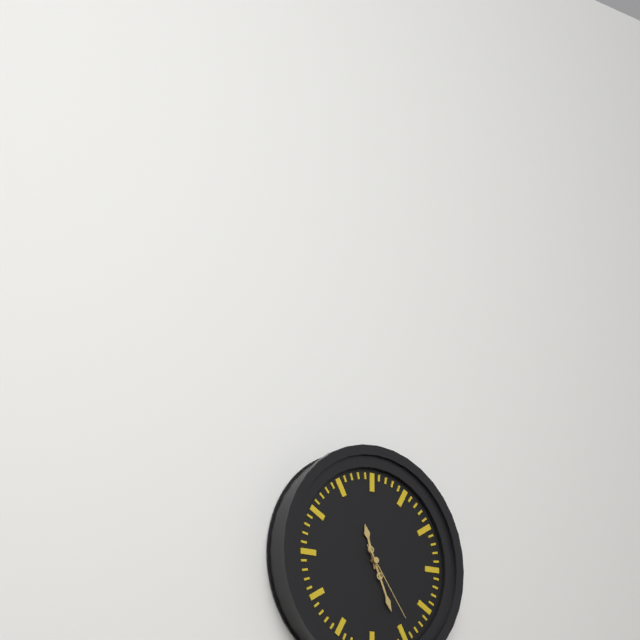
11.26.24
